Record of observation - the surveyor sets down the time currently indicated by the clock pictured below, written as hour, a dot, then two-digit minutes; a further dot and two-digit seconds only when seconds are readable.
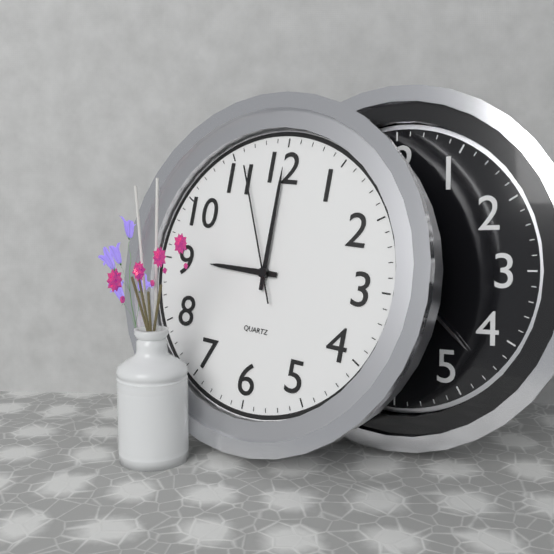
9.00.56
